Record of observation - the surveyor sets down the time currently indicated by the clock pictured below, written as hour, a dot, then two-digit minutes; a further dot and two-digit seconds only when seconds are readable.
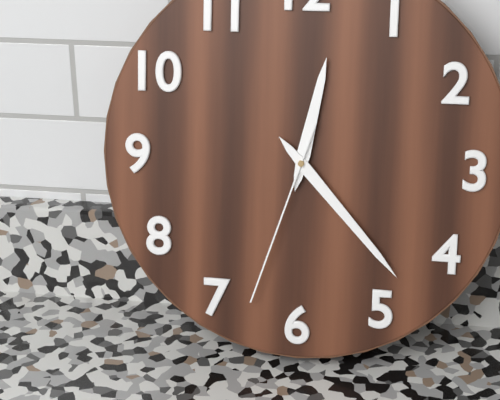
12.23.33
